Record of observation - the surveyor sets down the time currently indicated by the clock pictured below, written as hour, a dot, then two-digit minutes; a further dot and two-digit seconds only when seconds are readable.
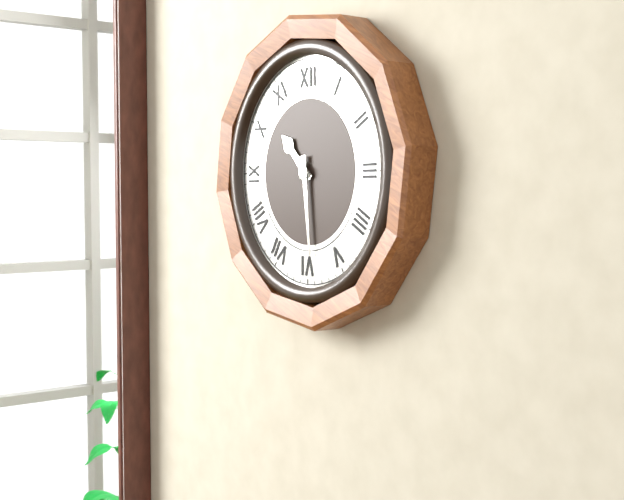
10.29
